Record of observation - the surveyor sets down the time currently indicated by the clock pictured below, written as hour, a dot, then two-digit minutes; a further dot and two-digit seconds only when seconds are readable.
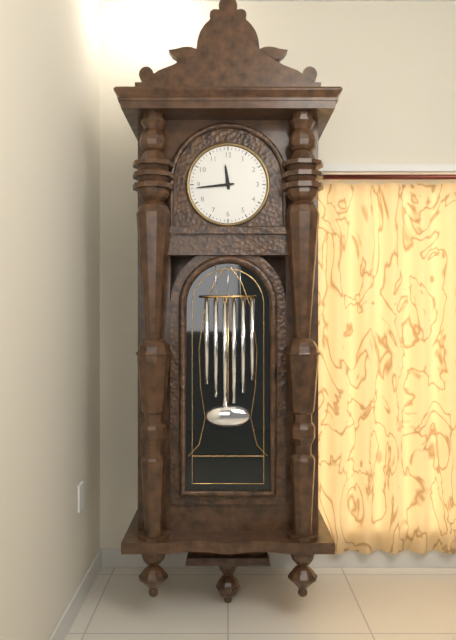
11.44
